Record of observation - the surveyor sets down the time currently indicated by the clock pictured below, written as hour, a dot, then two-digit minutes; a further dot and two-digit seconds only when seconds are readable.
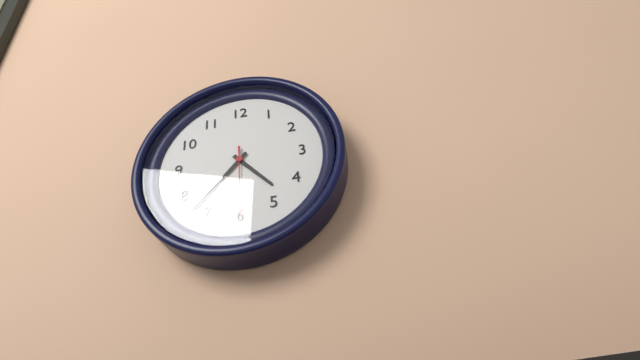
4.37.30
